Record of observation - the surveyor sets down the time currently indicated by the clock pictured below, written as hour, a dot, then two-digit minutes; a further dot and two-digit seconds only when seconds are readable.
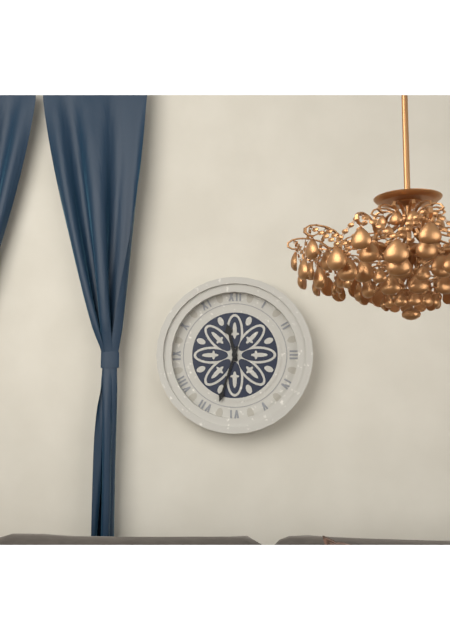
11.33
